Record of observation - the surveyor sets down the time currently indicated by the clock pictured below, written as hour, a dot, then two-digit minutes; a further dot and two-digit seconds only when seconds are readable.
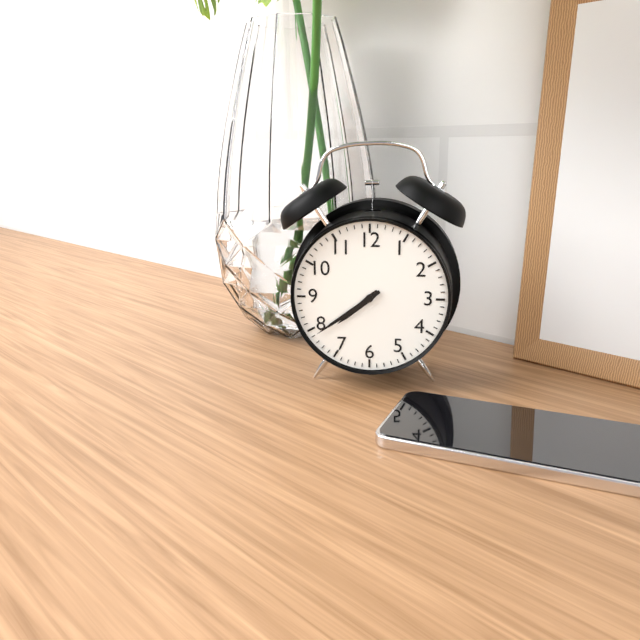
7.39
